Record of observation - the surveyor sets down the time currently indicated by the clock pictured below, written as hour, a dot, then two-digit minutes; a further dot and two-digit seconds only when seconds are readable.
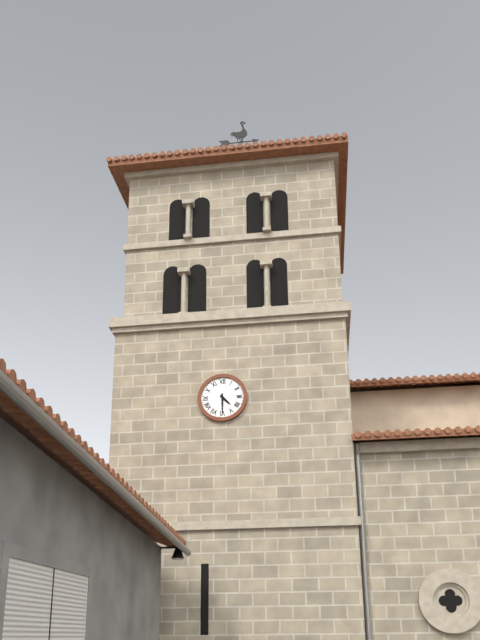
4.30
